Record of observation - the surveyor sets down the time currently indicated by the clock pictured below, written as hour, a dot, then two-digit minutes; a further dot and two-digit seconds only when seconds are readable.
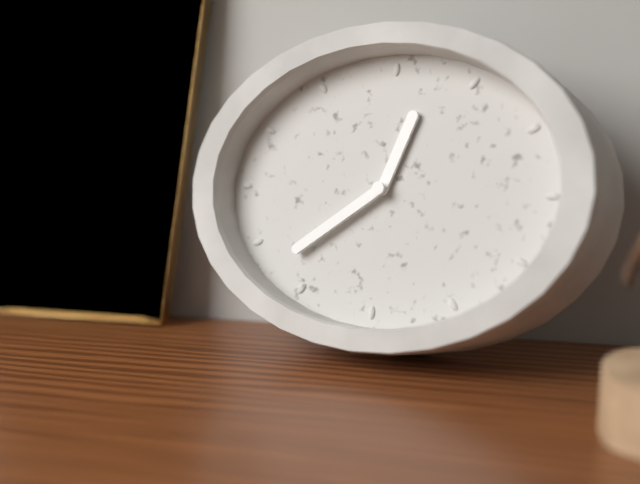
12.39
